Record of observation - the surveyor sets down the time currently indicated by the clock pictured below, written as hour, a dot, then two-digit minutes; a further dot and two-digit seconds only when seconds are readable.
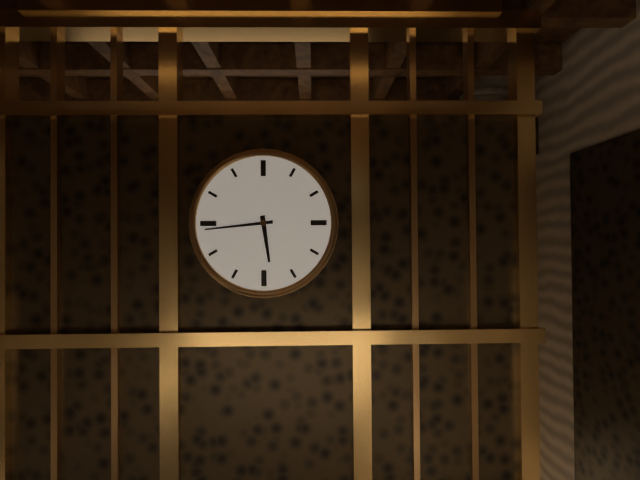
5.44
